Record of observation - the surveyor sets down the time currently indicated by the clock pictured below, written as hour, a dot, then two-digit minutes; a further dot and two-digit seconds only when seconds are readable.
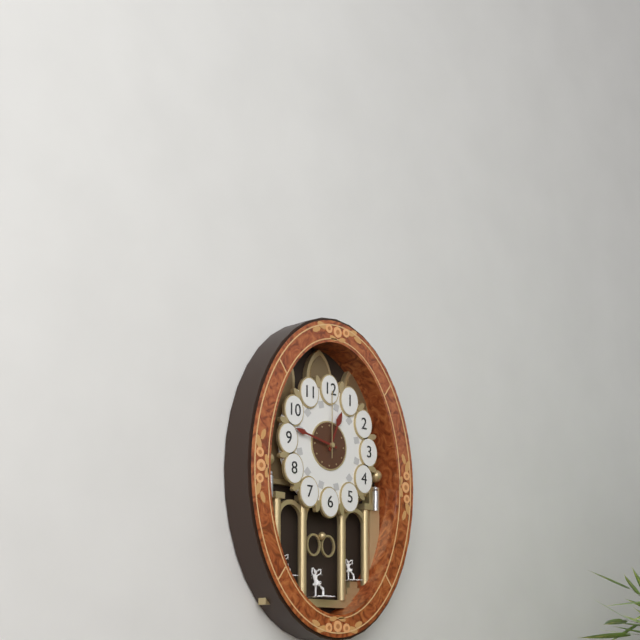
12.47.00
